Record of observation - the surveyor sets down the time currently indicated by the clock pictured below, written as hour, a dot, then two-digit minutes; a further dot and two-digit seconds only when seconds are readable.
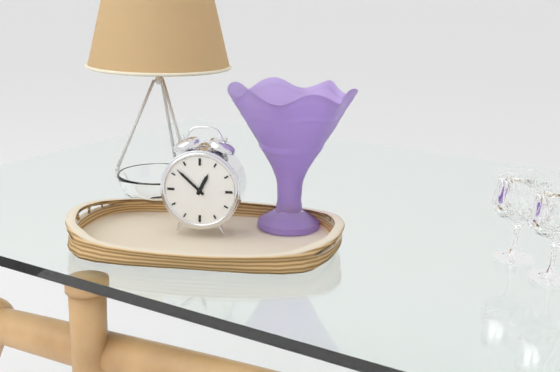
12.52
